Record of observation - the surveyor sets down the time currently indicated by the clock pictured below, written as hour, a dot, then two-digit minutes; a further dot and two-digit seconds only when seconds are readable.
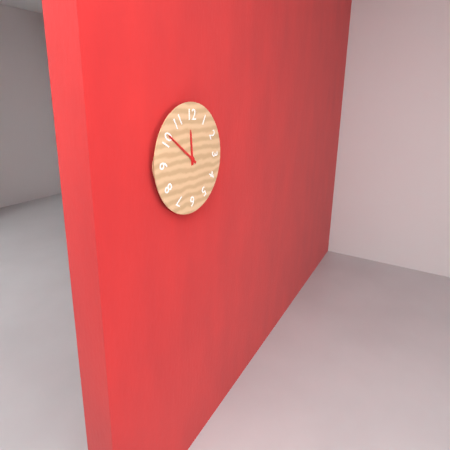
11.51
